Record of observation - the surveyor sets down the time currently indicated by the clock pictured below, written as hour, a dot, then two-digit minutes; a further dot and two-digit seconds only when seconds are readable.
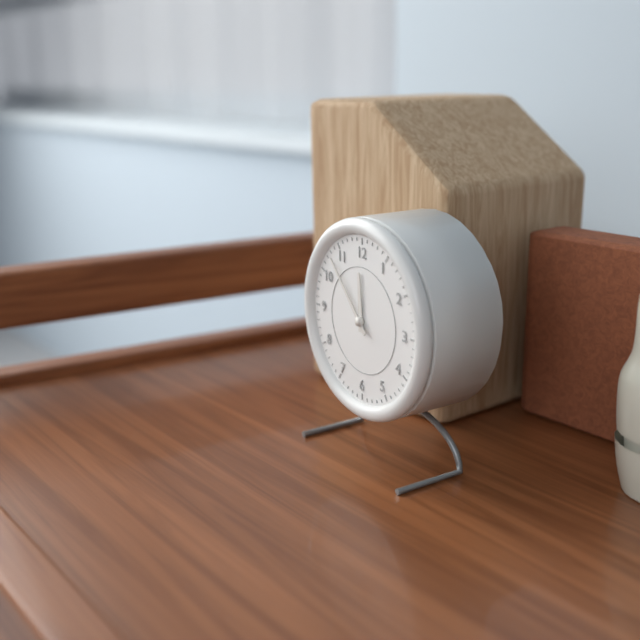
11.53
